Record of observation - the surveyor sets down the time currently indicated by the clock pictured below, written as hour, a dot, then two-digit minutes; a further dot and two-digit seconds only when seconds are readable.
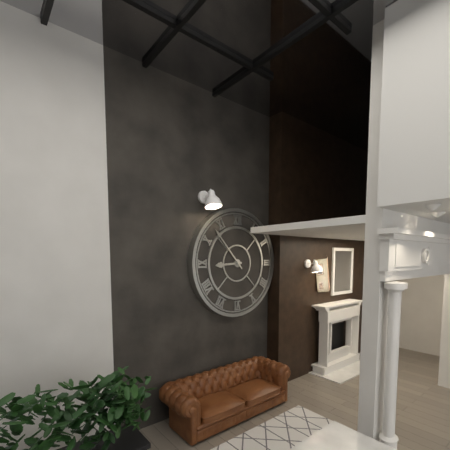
8.53
